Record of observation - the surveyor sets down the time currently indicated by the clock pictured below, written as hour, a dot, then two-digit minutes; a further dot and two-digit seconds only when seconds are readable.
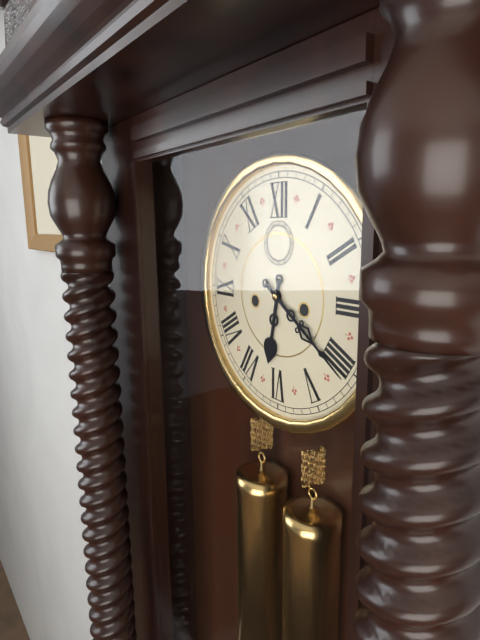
6.21
